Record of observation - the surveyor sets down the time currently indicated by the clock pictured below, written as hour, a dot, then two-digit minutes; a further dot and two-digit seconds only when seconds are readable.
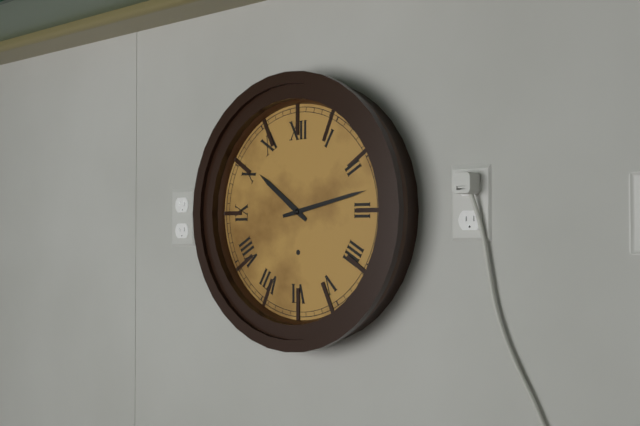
10.13
